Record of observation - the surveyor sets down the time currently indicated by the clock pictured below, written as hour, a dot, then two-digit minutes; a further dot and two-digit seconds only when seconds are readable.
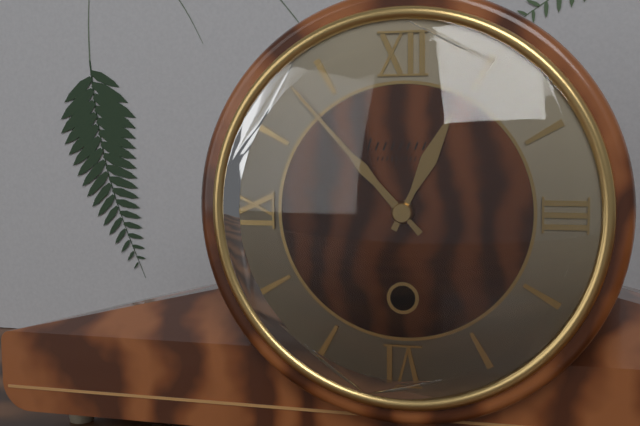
12.53
